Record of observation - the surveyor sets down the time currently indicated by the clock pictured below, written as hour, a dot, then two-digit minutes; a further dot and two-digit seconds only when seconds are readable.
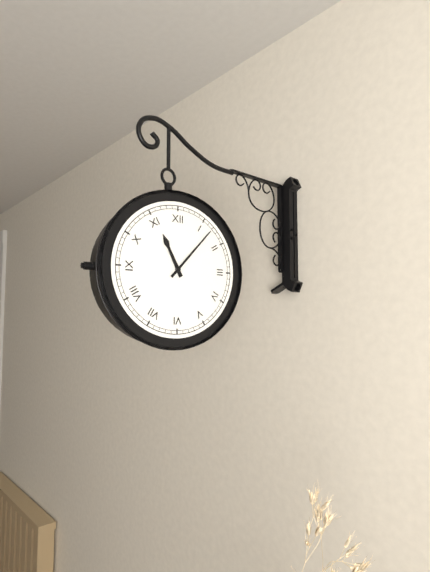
11.07
